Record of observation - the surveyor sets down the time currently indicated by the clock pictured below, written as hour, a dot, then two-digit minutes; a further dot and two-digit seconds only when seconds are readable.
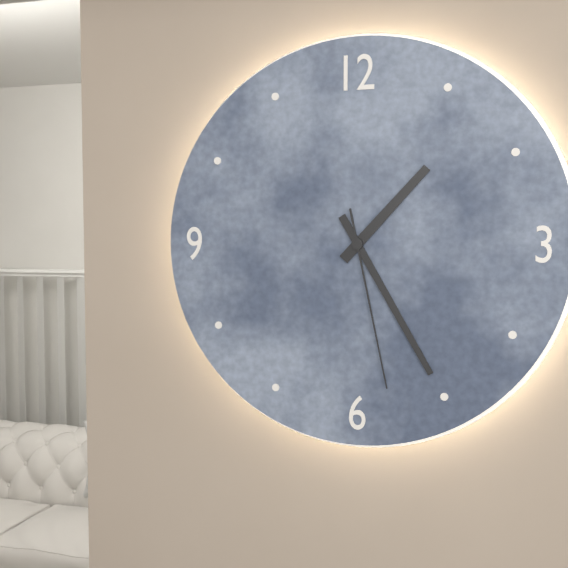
1.25.28
